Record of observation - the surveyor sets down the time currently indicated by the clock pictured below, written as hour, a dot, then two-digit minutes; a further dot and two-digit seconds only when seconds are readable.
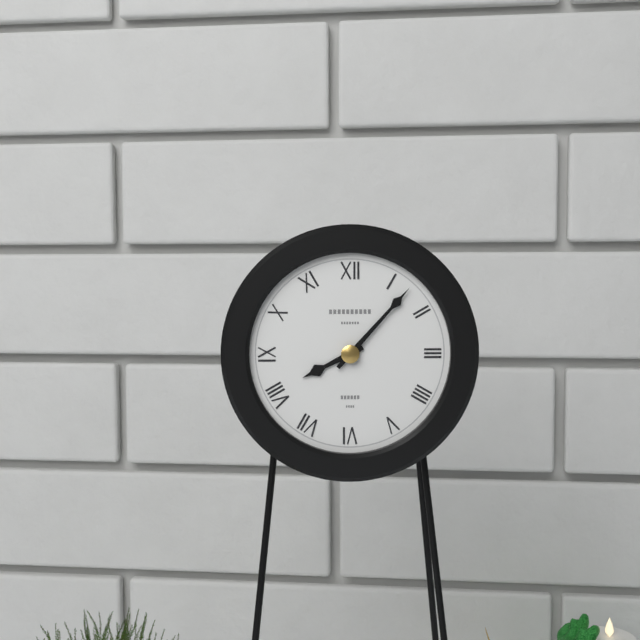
8.07
